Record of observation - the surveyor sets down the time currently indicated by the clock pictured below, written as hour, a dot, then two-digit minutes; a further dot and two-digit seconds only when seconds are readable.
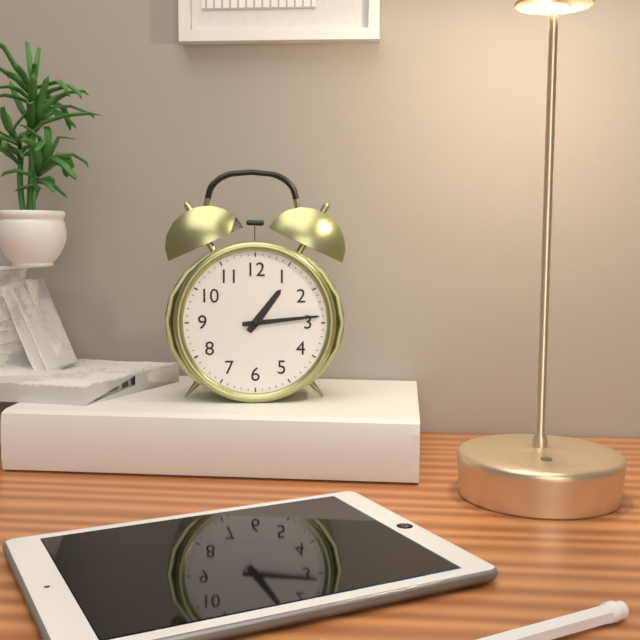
1.14
